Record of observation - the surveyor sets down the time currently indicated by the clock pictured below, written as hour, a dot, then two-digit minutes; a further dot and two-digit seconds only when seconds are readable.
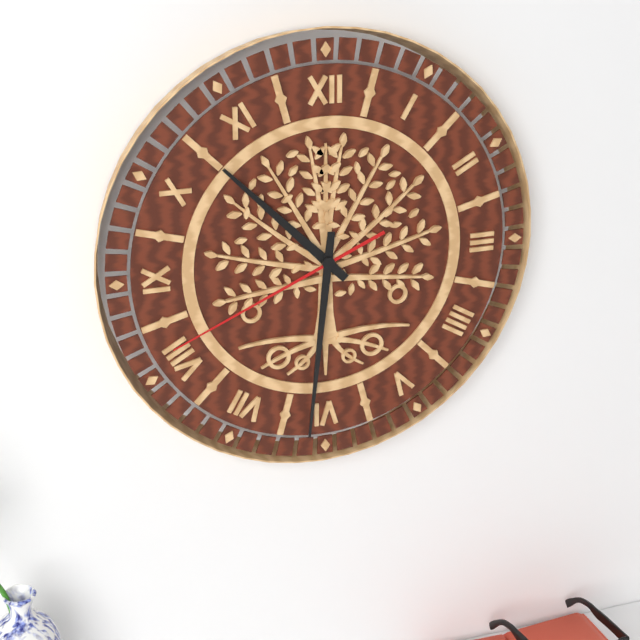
10.31.41
